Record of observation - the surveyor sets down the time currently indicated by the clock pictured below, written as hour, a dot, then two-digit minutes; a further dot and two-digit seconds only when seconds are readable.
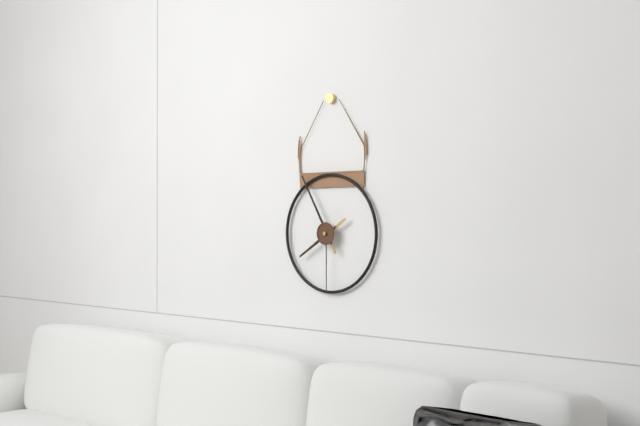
7.55.30
